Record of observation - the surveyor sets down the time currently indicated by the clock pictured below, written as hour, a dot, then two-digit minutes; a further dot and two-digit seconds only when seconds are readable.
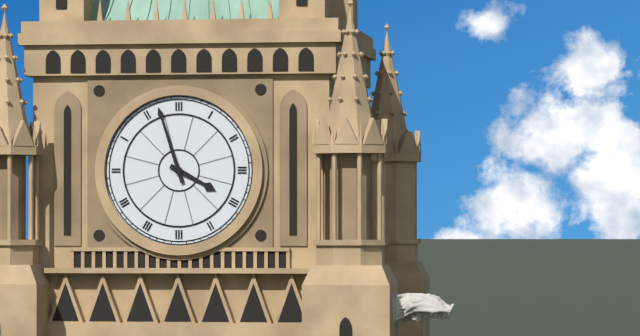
3.57
